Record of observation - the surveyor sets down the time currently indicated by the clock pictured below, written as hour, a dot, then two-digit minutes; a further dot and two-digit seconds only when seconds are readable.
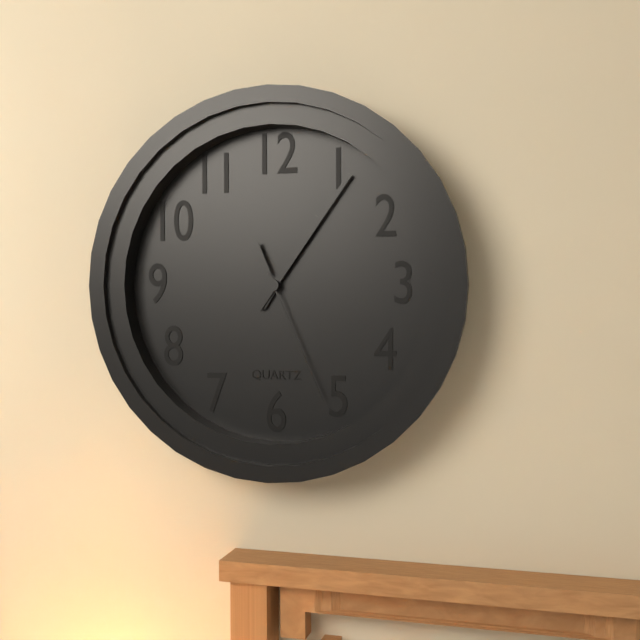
1.06.26
